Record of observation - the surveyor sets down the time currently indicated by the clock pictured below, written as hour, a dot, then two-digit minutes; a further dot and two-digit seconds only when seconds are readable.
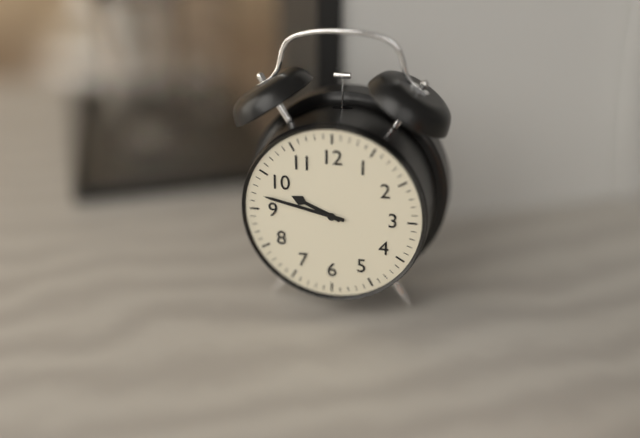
9.47
